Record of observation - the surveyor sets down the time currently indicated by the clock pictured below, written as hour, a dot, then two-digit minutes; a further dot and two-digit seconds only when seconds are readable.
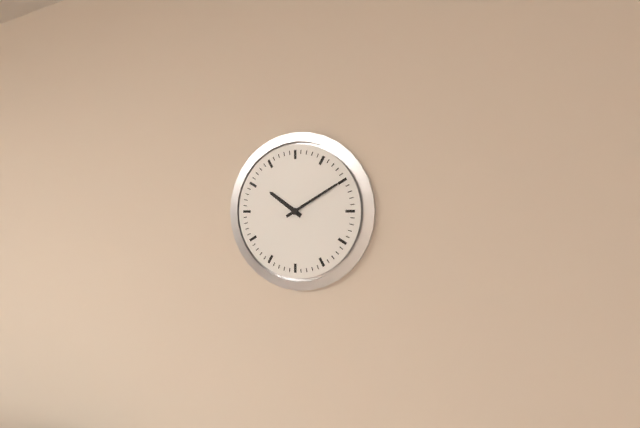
10.10
